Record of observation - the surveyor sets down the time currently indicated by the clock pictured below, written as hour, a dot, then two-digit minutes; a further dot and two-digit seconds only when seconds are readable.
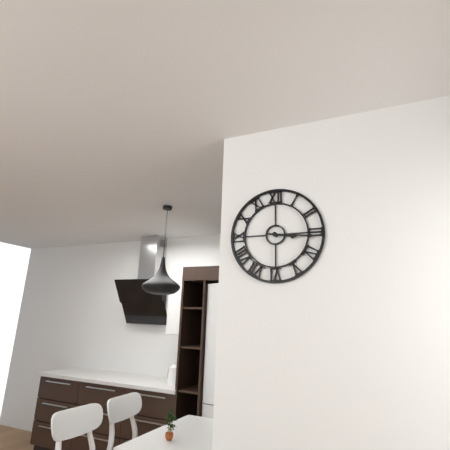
3.16
